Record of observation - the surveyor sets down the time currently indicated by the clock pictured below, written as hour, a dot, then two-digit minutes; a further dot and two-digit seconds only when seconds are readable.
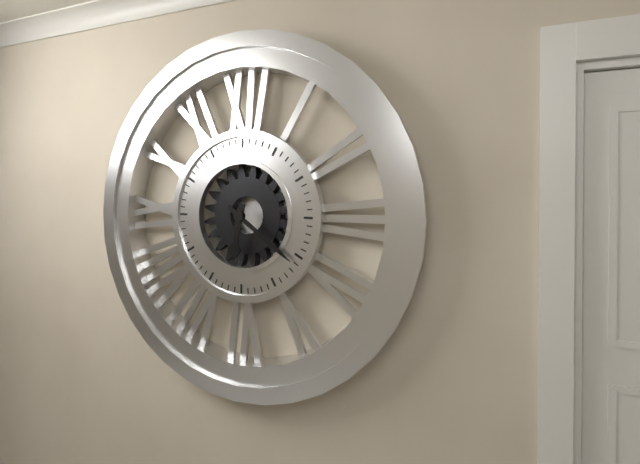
6.21
